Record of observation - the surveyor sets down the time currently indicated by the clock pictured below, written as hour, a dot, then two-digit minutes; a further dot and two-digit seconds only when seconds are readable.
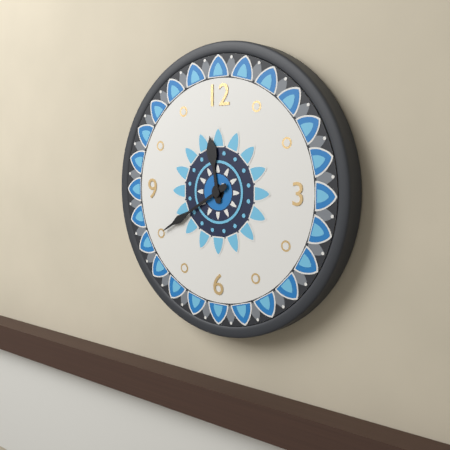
11.40
